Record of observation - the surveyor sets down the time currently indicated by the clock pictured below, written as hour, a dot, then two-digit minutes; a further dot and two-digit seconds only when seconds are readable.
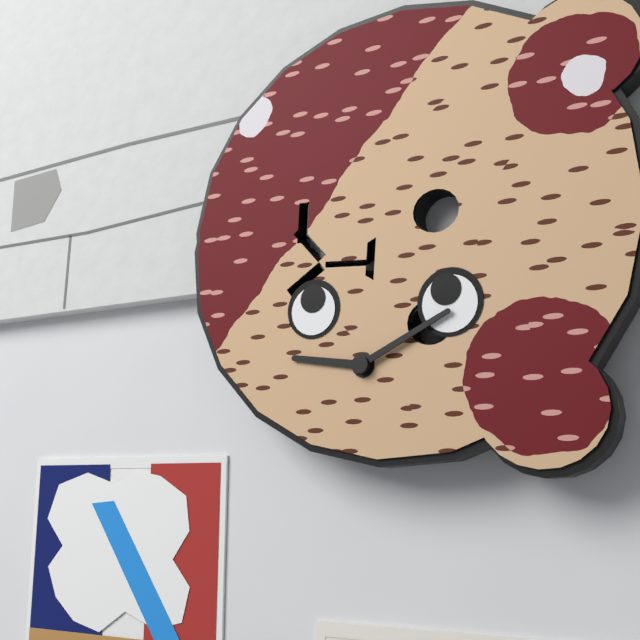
9.10
